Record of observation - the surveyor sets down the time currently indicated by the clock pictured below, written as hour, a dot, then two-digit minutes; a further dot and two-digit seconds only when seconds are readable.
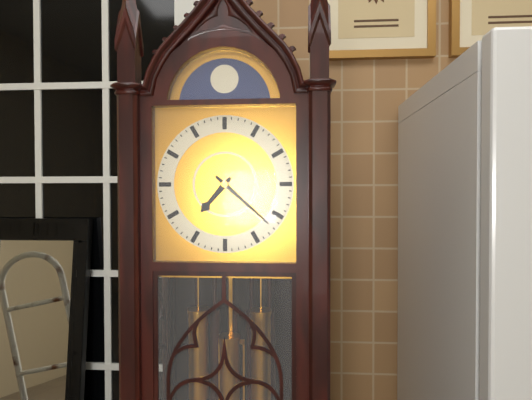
7.22
